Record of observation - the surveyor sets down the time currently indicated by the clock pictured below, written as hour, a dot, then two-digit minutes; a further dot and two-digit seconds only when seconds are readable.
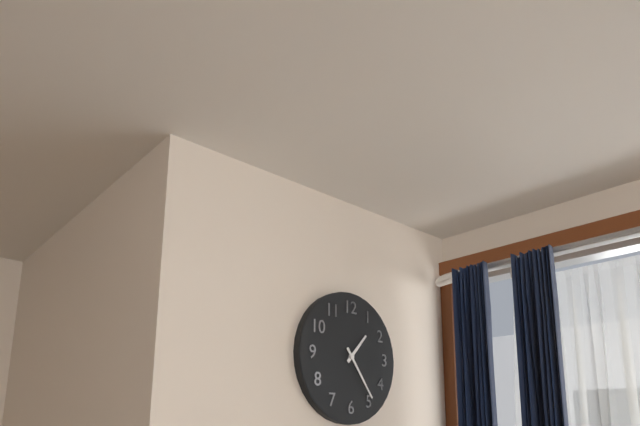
1.24
